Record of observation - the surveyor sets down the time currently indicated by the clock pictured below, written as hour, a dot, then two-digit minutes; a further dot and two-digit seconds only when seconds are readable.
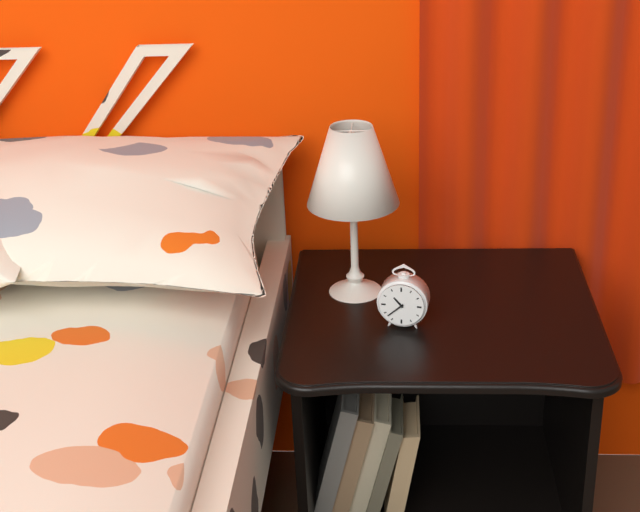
10.38
